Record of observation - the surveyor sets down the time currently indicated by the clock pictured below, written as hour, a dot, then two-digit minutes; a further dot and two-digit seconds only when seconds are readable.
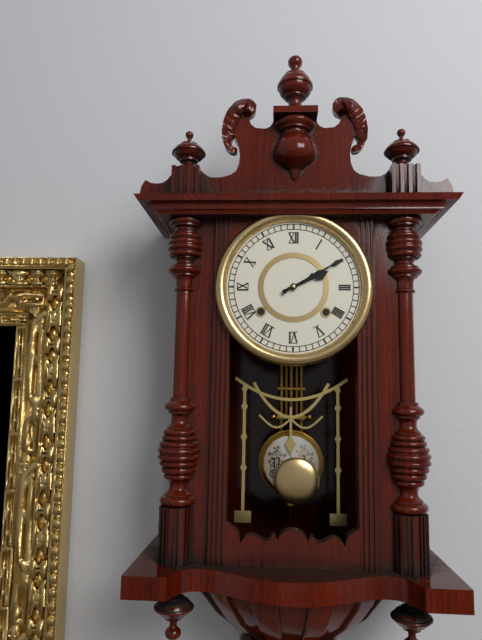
2.10
